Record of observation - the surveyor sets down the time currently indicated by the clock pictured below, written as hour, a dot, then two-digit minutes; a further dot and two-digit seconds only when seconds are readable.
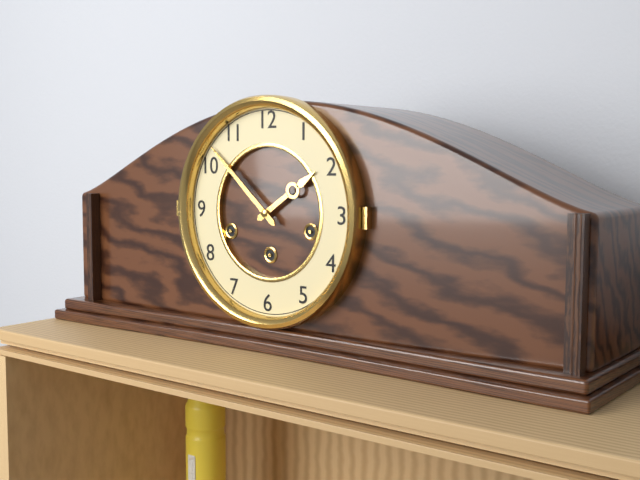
1.52
